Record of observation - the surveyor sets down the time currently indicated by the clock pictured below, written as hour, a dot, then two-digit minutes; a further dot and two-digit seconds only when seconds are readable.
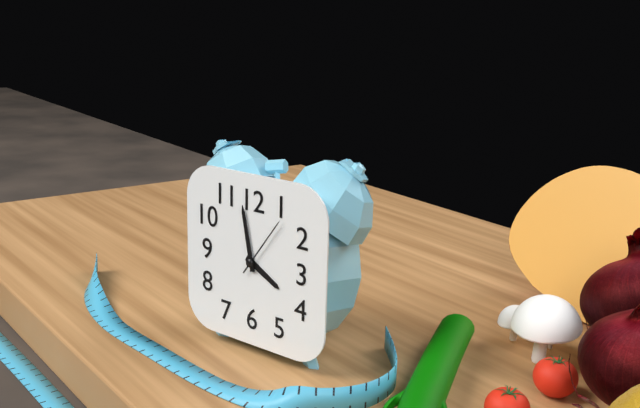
3.58.06
